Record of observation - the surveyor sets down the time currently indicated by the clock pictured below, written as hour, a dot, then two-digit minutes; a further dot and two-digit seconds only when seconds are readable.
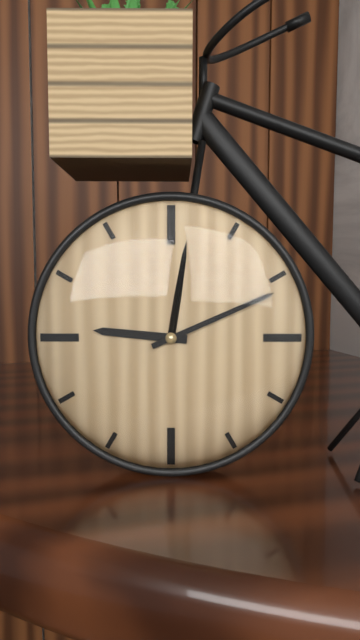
9.11
